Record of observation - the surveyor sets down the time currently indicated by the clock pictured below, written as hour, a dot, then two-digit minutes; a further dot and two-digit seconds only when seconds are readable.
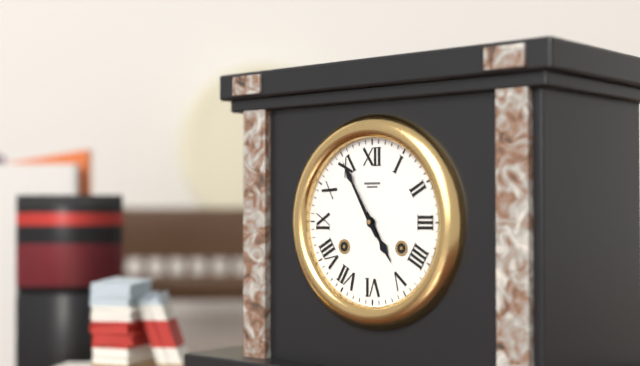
4.55
